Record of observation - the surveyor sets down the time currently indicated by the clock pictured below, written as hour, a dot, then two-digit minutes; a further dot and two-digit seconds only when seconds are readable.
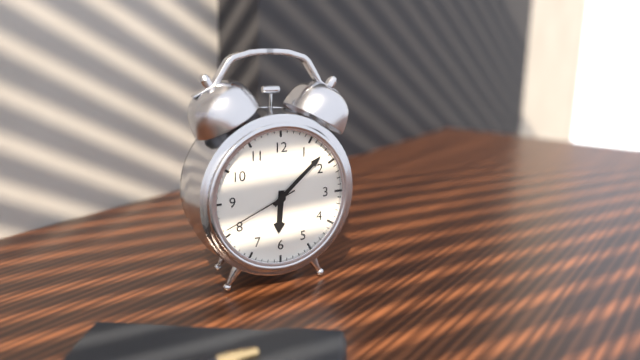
6.08.41
